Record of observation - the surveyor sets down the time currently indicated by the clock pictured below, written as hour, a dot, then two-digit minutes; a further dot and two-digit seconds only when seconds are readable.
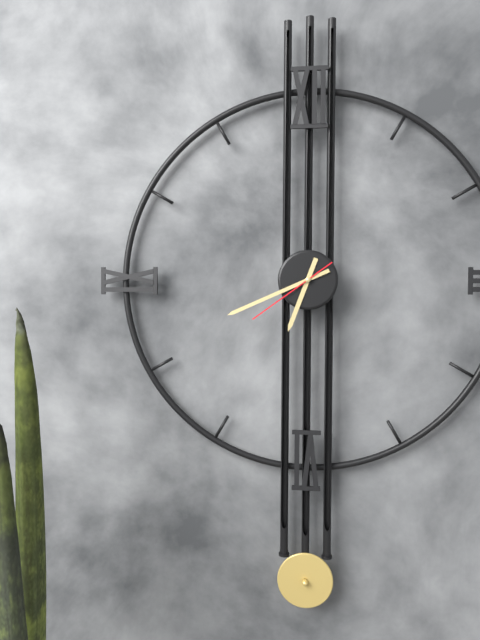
6.41.39
